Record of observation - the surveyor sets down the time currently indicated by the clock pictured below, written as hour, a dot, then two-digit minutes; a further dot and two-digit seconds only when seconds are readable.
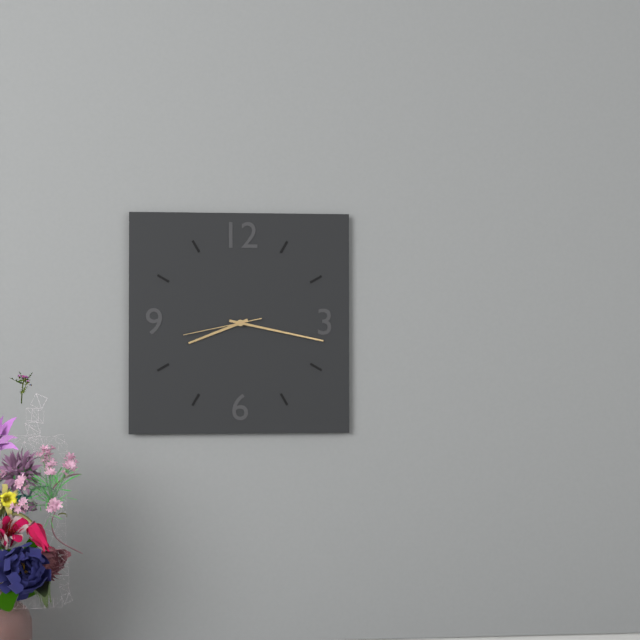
8.17.43
